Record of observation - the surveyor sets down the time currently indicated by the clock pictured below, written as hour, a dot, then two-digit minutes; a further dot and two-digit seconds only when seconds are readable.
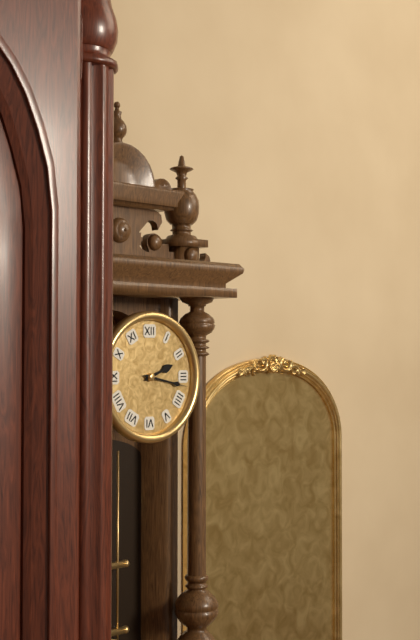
2.17
